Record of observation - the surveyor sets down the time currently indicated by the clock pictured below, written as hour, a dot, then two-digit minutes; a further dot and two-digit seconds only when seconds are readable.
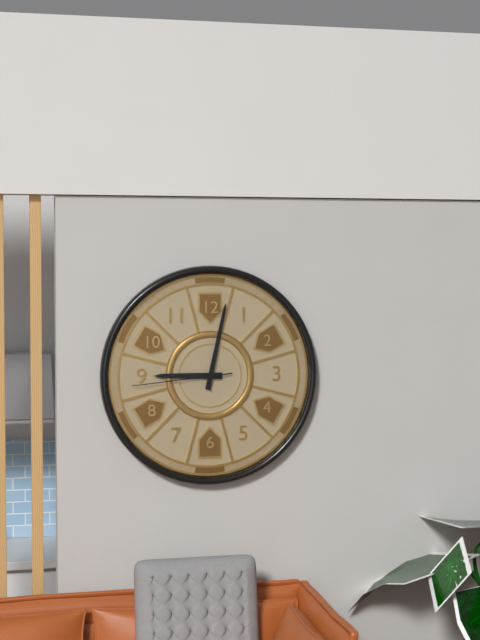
9.02.44
